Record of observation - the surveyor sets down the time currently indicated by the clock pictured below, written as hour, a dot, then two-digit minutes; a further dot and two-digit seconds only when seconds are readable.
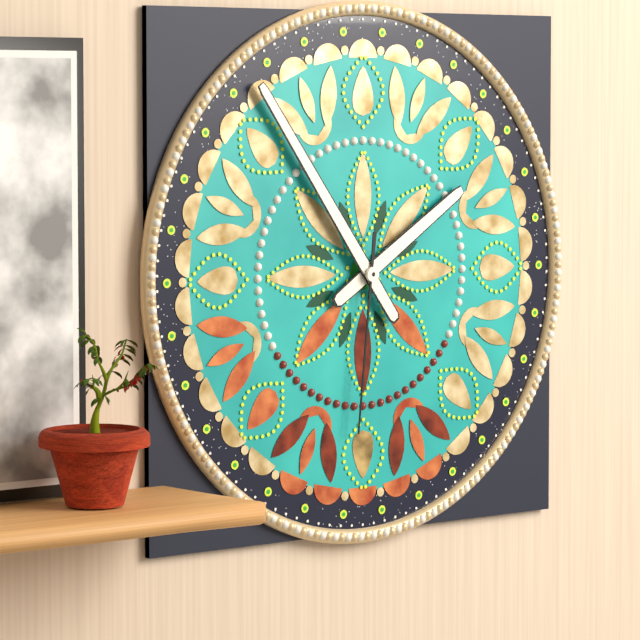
1.54.31
